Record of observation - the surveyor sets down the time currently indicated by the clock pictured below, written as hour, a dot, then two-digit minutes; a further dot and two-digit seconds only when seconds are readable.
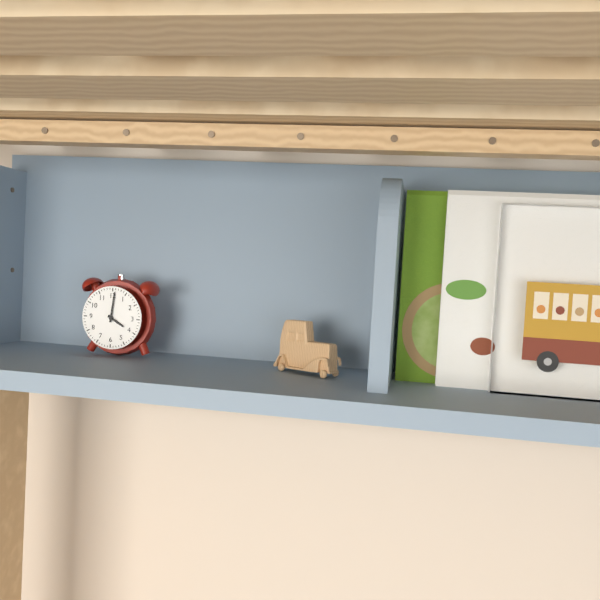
4.01
